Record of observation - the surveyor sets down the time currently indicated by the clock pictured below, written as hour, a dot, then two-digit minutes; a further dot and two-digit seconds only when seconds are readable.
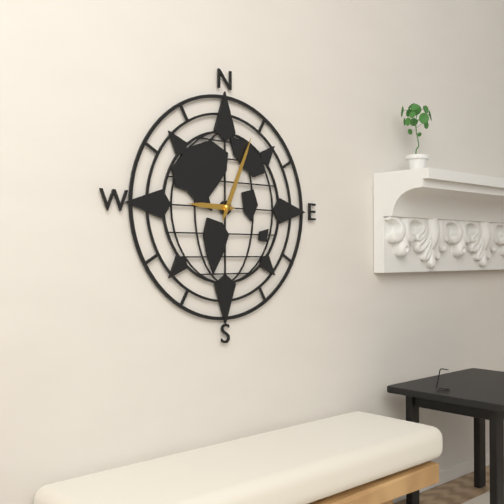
9.04
